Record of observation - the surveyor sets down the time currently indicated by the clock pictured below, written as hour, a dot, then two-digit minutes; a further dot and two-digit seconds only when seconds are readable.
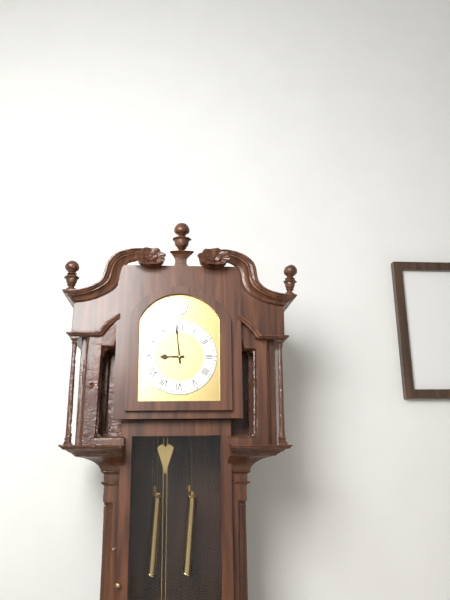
8.59
